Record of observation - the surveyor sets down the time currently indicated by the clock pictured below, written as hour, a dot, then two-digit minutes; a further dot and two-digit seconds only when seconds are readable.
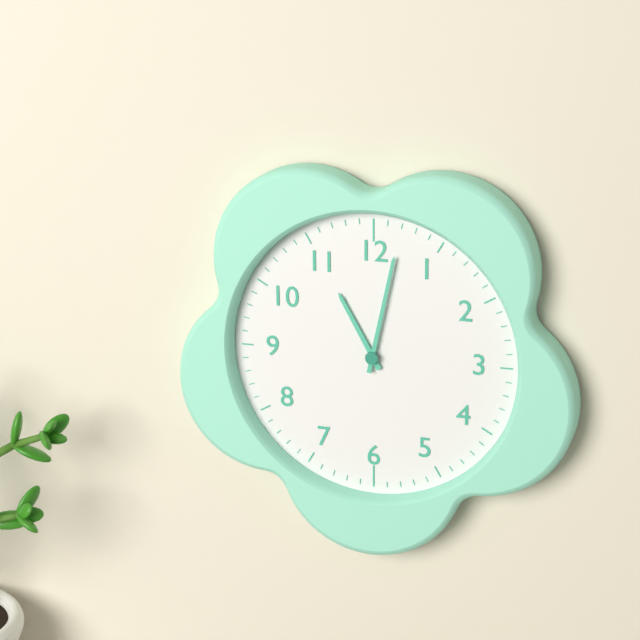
11.02
